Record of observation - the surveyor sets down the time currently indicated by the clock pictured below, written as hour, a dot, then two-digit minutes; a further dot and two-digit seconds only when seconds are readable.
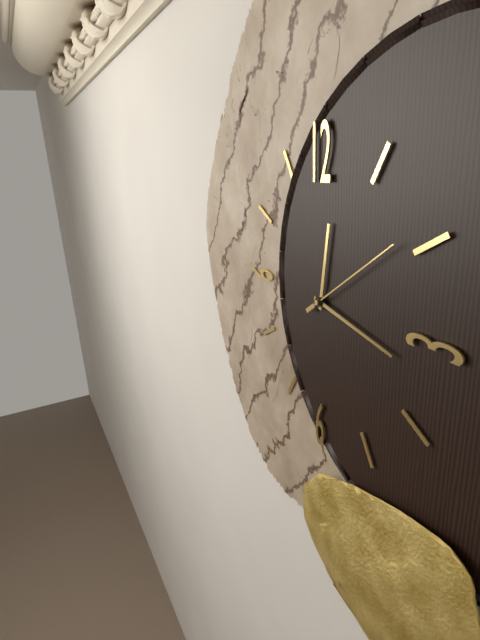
12.17.09
